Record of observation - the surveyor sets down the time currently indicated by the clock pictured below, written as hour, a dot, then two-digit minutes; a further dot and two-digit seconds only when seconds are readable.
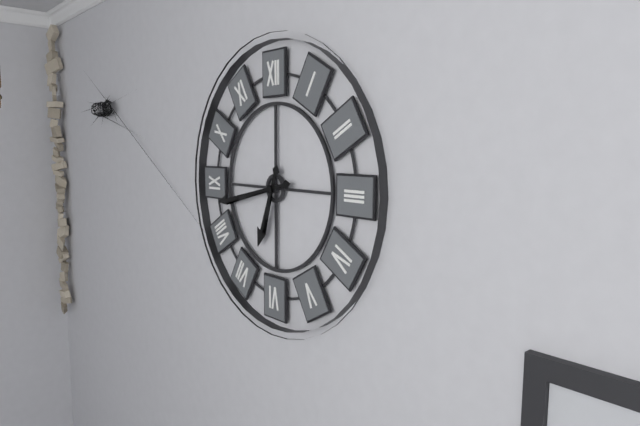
6.43
